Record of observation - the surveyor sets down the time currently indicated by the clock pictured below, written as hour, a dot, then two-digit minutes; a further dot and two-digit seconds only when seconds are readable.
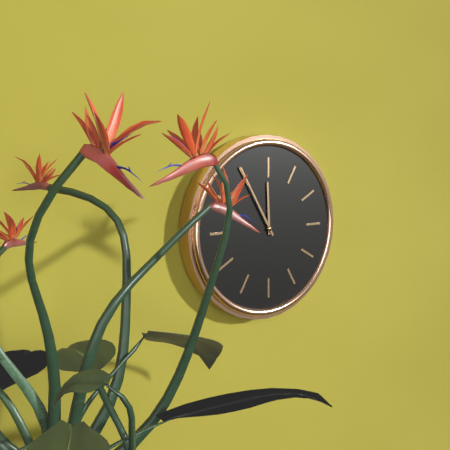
11.55
